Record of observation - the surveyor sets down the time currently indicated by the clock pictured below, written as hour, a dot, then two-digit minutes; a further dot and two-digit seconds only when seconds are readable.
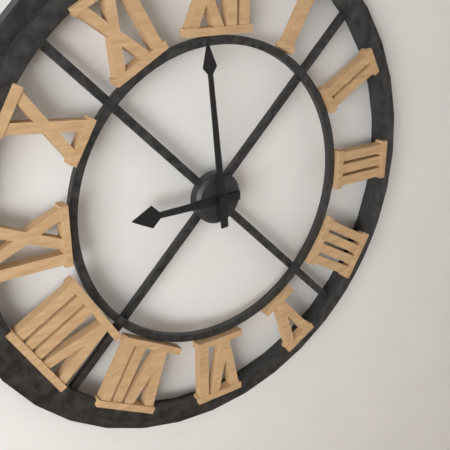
8.59
